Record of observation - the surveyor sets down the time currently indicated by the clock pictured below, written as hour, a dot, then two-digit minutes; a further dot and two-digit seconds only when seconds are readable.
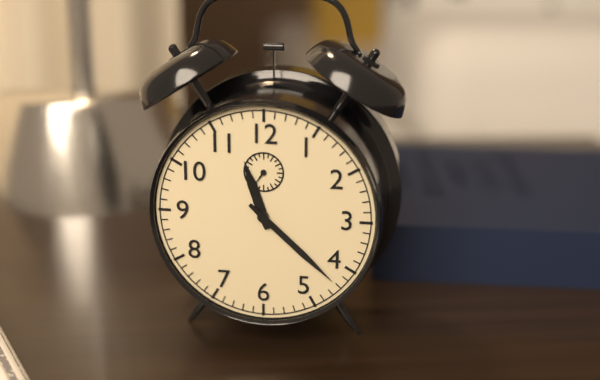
11.22
